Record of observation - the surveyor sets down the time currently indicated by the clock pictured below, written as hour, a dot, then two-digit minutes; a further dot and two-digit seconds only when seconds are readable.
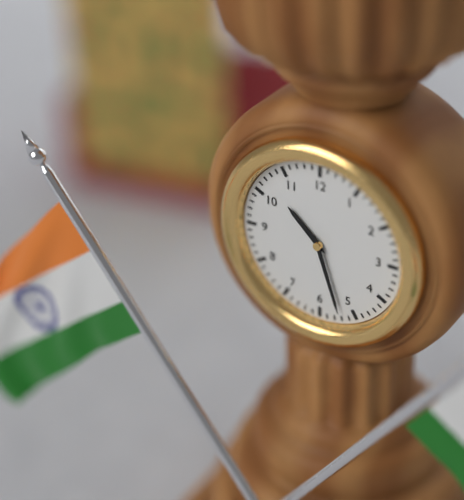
10.27
